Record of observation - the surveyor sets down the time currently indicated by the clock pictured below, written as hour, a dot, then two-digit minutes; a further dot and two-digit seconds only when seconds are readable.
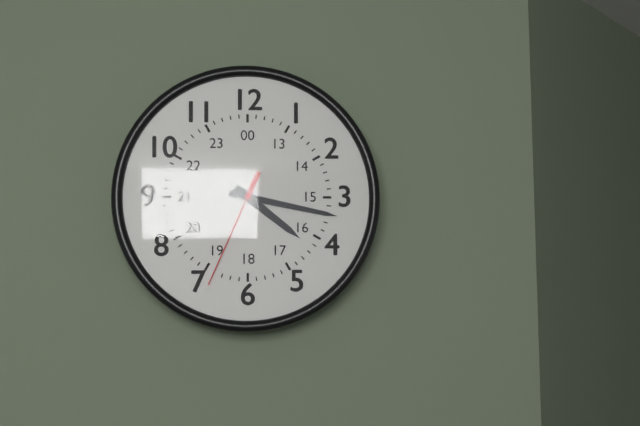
4.17.34
